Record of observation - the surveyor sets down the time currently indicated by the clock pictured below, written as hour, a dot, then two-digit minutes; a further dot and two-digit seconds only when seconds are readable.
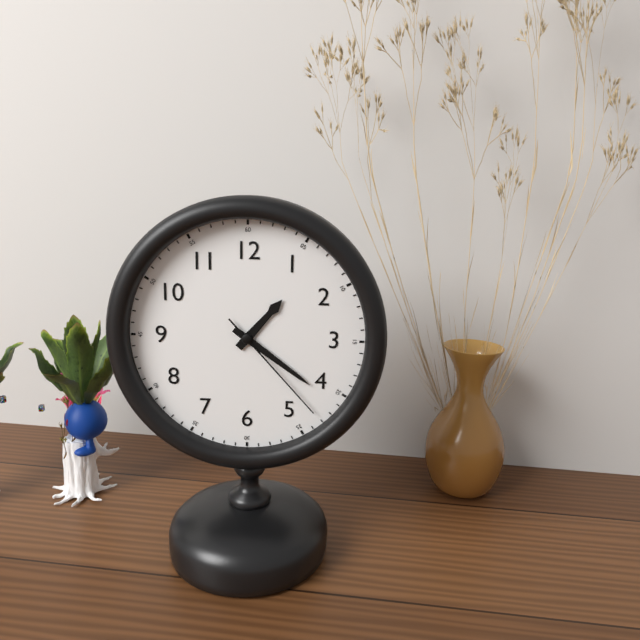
1.21.23
